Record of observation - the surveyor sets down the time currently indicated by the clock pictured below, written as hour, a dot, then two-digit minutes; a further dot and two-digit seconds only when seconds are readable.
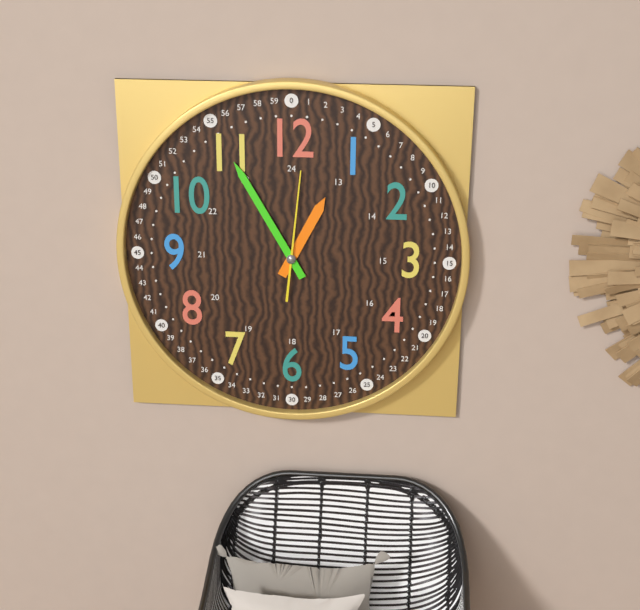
12.55.01
